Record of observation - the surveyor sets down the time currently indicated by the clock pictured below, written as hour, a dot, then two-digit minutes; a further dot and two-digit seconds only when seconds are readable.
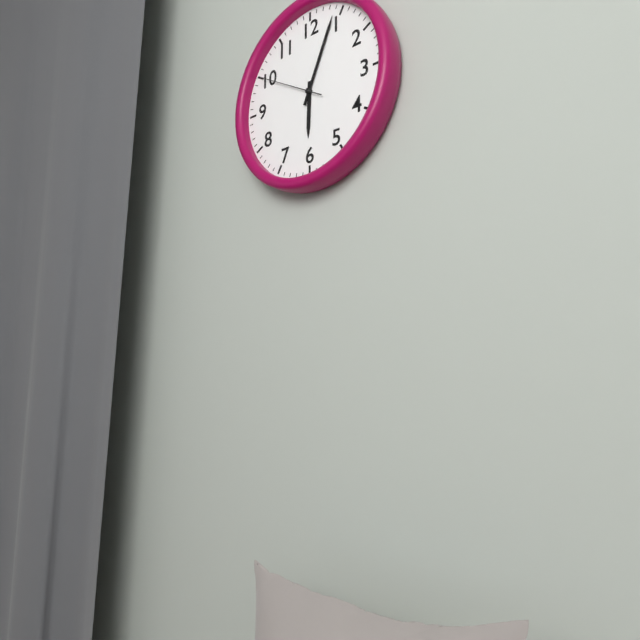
6.04.50
